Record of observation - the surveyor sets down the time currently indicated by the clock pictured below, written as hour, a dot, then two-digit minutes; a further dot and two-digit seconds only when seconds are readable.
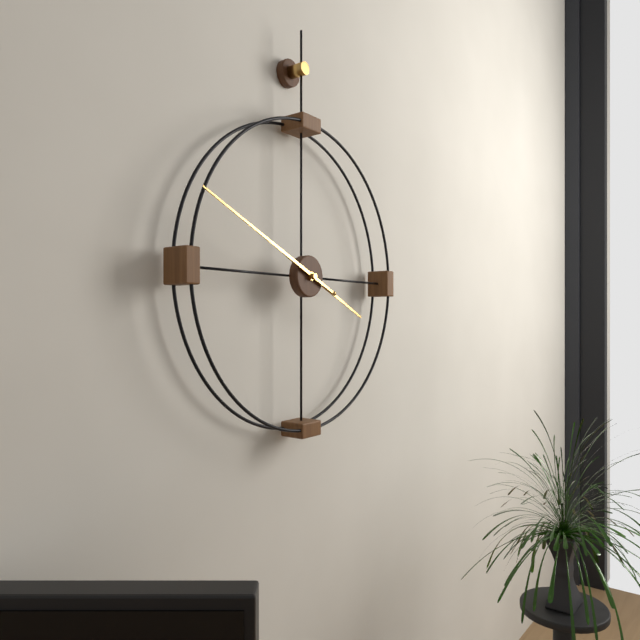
3.49
